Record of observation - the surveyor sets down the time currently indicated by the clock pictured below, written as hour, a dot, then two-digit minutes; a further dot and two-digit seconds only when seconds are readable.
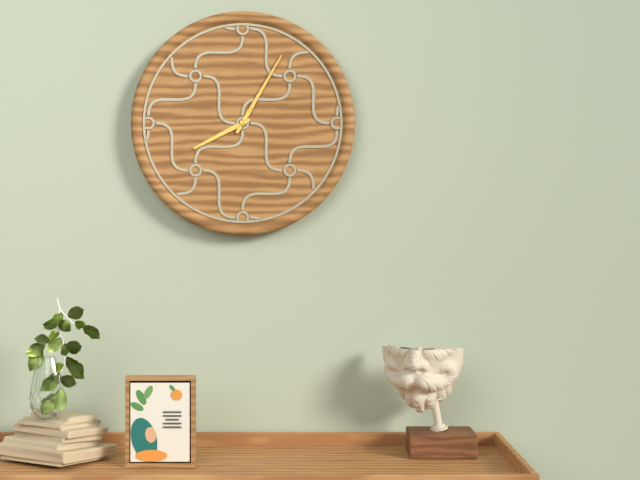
8.05
